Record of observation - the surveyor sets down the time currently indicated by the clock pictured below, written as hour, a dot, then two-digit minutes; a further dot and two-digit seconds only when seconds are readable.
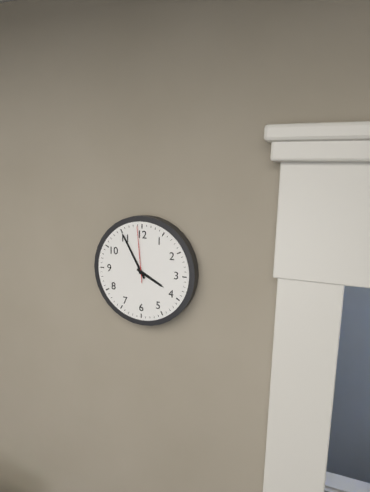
3.55.59
